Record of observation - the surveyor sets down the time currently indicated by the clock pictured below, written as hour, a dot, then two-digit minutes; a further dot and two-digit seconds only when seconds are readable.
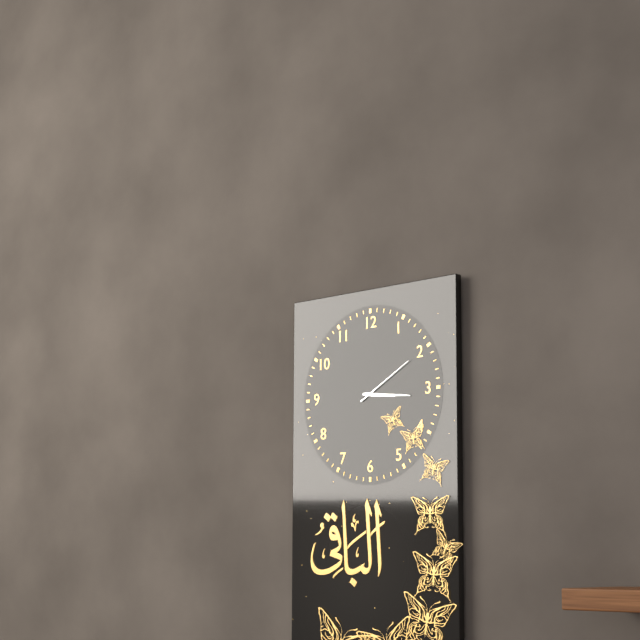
3.16.10
